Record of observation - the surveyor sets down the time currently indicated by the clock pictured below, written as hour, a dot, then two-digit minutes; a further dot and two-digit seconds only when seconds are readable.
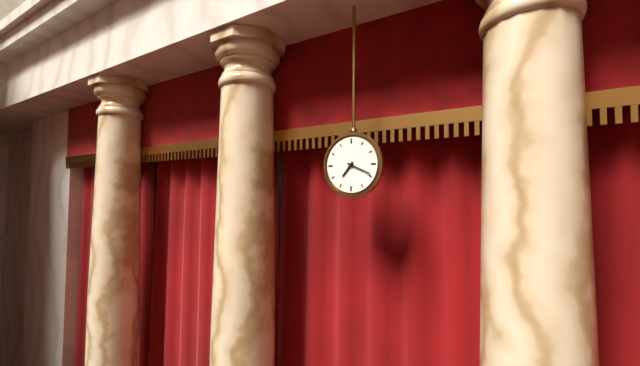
7.19
